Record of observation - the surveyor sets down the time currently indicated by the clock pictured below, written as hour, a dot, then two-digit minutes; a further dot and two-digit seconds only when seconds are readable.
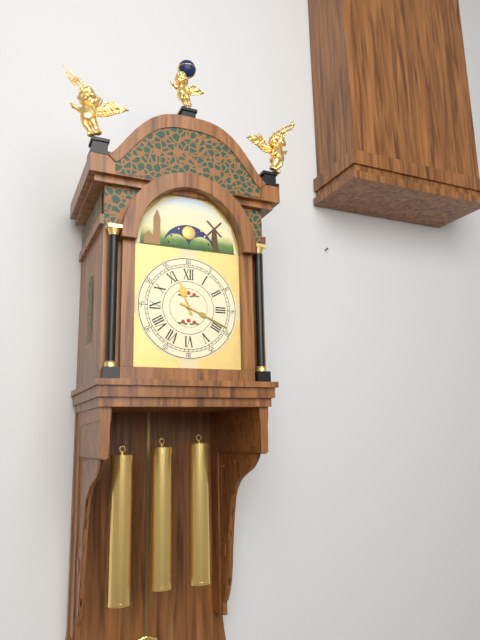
11.19
